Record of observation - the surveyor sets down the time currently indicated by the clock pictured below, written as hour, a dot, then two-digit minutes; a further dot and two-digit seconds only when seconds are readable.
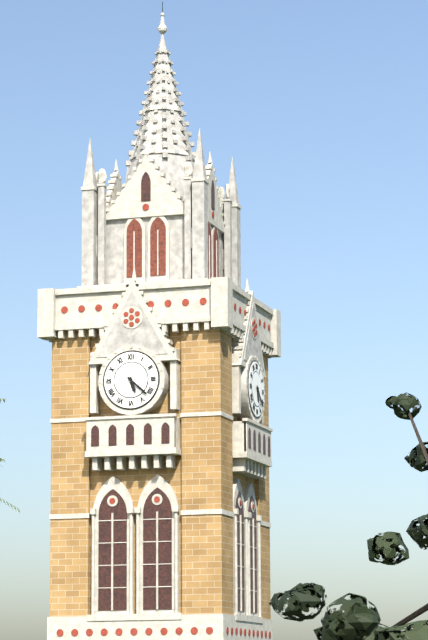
5.22
